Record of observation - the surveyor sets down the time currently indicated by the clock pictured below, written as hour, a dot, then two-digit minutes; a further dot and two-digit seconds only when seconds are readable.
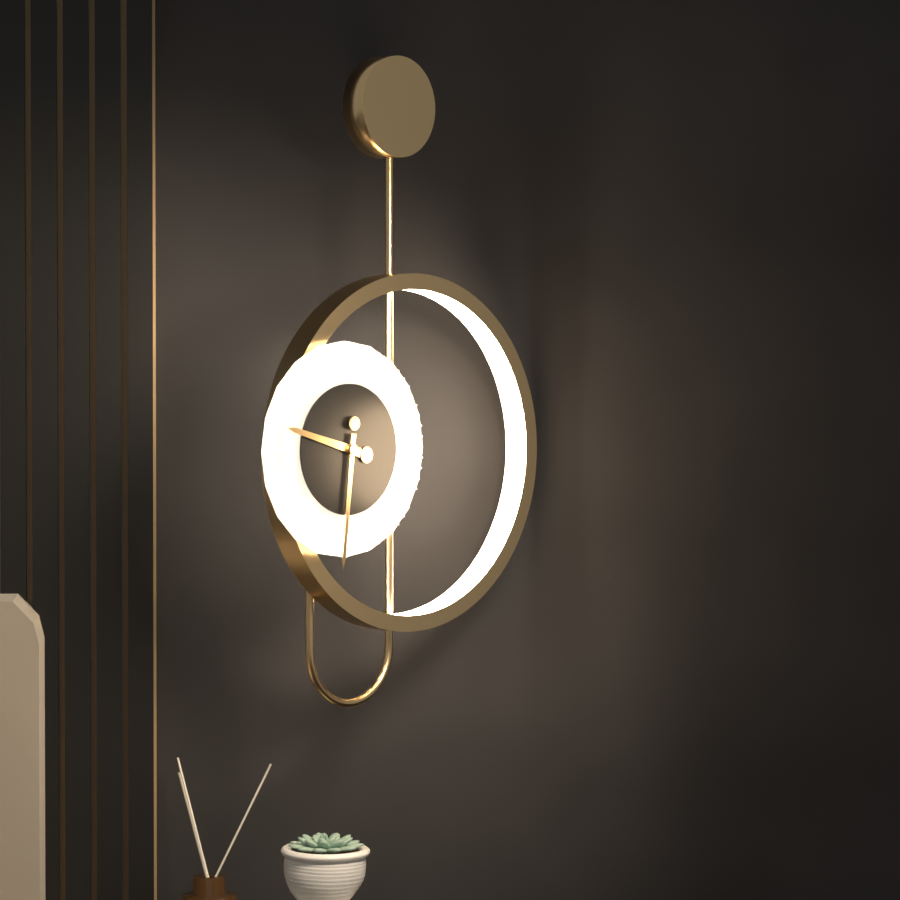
9.31
